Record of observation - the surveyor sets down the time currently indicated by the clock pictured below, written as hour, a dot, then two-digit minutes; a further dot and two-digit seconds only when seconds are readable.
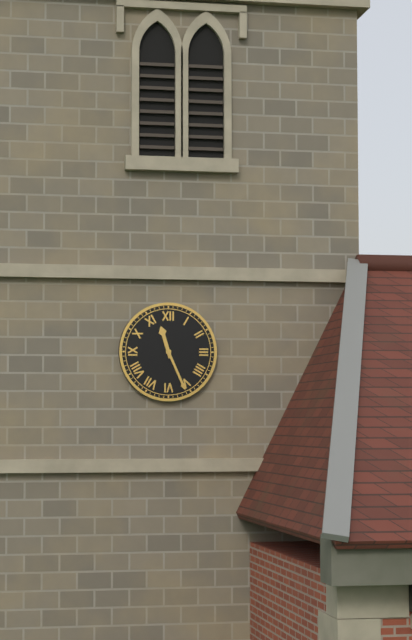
11.26
